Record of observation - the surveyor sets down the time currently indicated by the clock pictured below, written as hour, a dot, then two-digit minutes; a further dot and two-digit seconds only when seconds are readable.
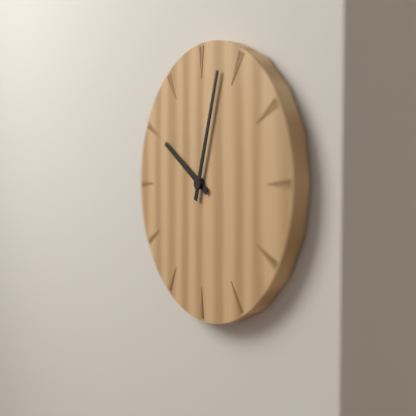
10.03
